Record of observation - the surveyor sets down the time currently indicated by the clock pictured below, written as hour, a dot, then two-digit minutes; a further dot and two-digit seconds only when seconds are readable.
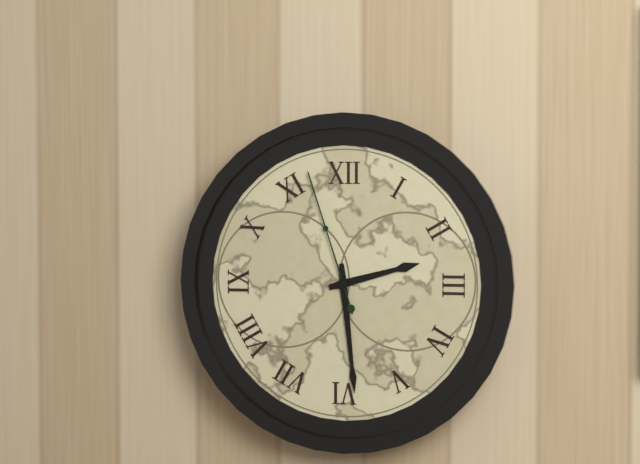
2.29.57
